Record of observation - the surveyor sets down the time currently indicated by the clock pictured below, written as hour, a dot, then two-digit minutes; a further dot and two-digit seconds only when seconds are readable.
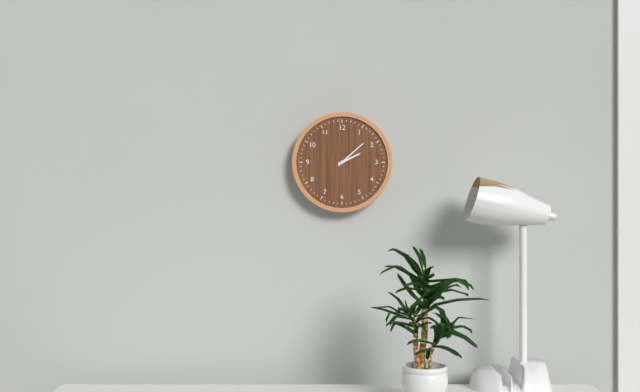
2.08
